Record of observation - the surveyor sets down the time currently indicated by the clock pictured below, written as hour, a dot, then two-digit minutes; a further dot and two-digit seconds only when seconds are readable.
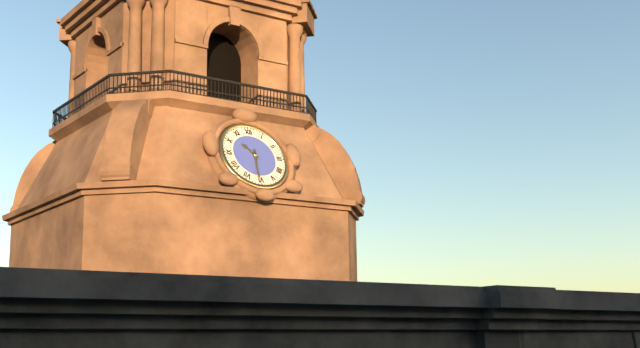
10.31
